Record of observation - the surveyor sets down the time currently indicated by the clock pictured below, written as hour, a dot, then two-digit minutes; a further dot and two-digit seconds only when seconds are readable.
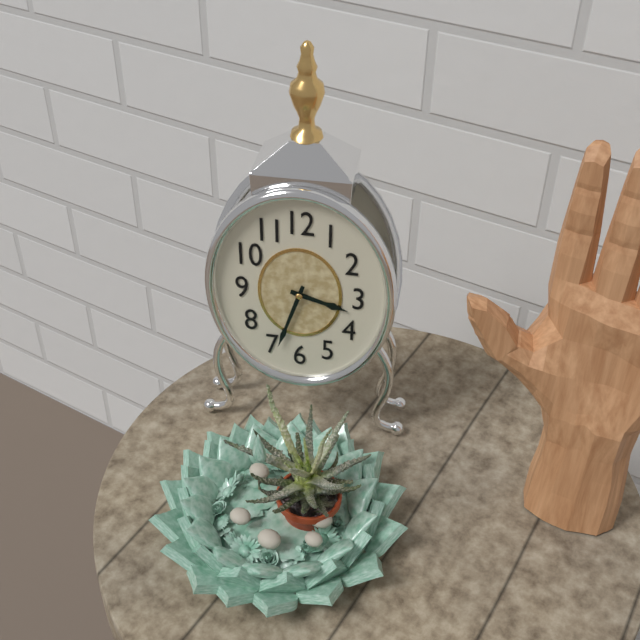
3.33
